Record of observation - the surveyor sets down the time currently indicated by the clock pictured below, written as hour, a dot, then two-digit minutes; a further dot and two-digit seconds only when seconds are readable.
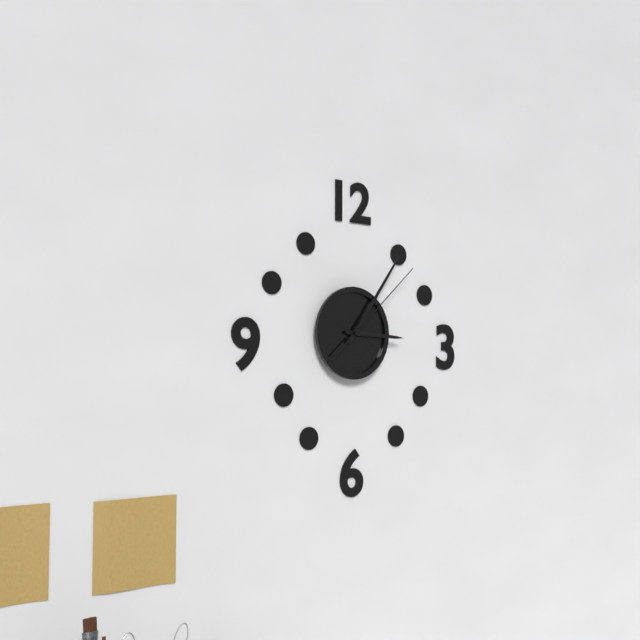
3.06.08
